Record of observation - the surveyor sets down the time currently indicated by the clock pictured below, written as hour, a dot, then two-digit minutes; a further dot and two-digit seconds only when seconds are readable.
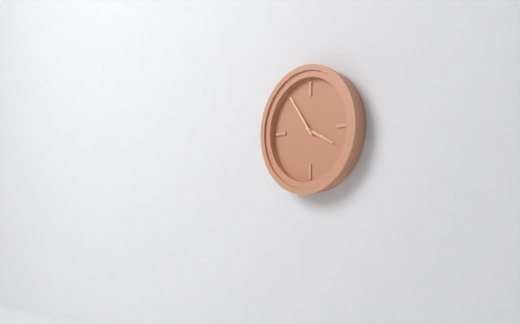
3.54
